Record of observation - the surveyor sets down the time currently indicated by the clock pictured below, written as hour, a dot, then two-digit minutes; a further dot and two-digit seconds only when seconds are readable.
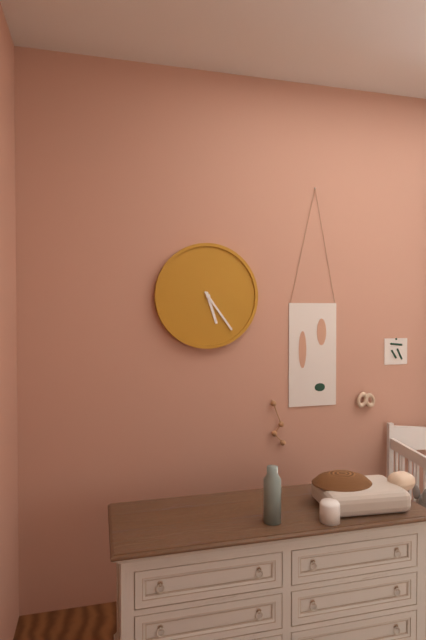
5.24
